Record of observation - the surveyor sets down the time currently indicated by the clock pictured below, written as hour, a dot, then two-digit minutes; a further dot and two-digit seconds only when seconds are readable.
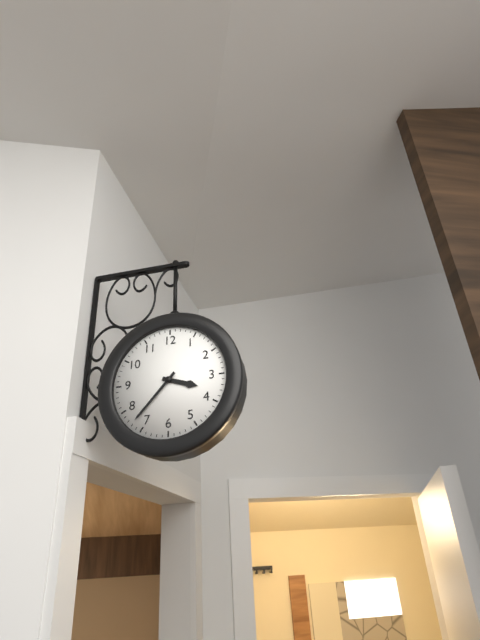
3.37
